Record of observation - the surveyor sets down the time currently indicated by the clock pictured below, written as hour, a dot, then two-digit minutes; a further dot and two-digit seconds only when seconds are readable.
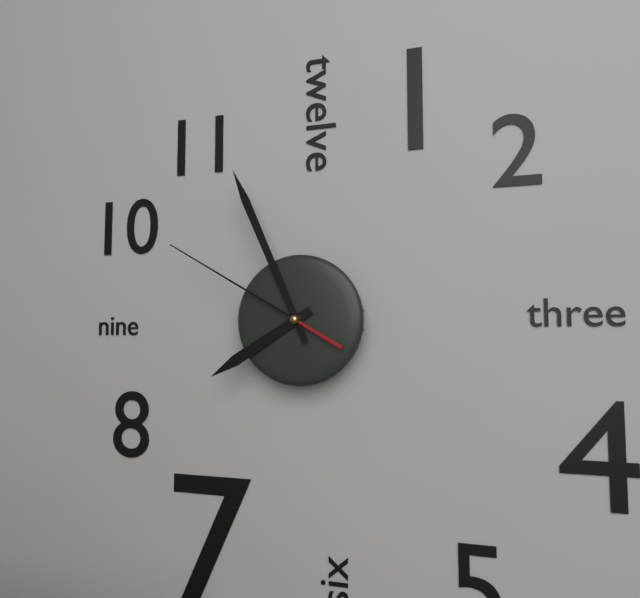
7.56.50
